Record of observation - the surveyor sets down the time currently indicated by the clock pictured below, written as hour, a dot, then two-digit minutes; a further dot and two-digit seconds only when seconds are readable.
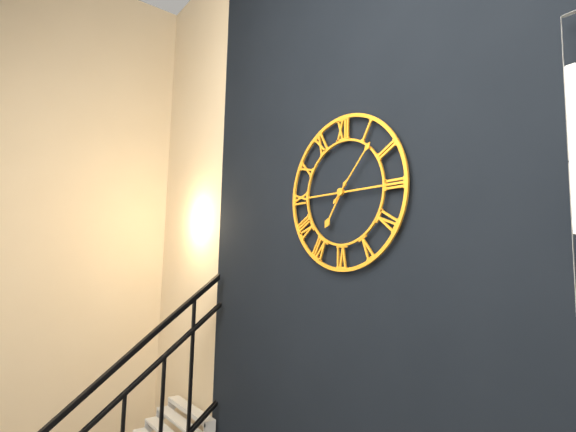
7.07
